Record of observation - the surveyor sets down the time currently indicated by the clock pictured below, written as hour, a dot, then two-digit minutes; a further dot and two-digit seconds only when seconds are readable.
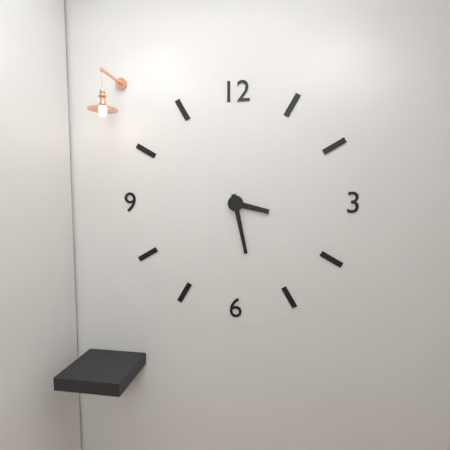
3.28
